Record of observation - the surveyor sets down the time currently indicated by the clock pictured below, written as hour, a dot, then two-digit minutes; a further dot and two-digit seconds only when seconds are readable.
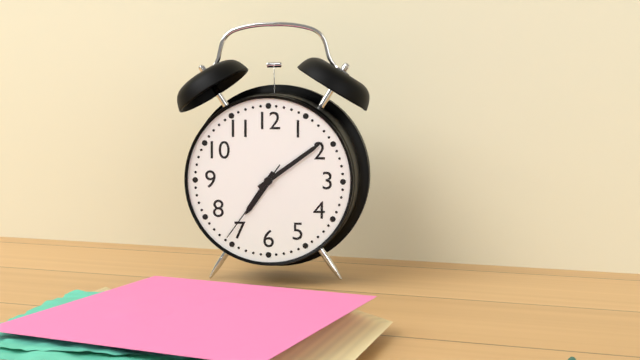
7.09.36
